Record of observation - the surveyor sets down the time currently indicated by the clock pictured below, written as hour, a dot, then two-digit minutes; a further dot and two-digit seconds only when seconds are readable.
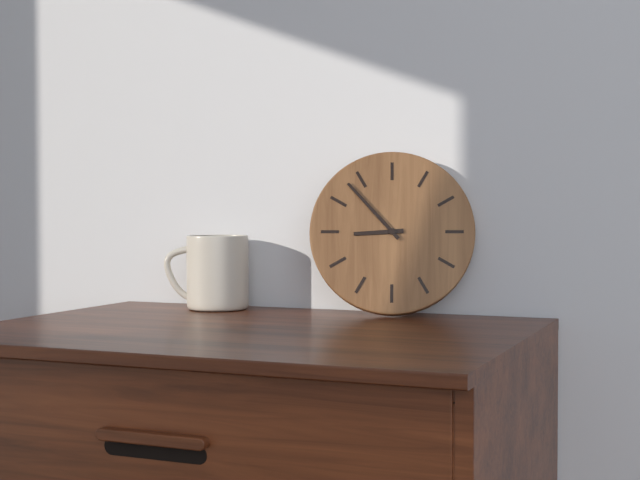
8.53
